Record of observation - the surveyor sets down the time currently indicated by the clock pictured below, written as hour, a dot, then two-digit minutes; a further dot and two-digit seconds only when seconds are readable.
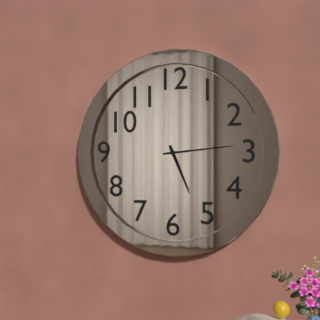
5.14
